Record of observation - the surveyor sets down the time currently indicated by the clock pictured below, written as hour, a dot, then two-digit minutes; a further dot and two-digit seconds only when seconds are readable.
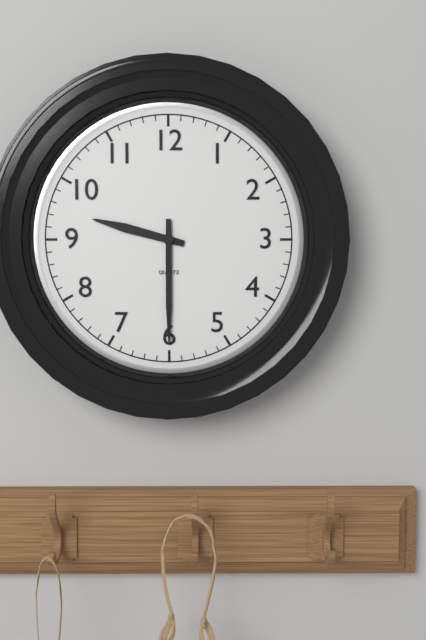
9.30
